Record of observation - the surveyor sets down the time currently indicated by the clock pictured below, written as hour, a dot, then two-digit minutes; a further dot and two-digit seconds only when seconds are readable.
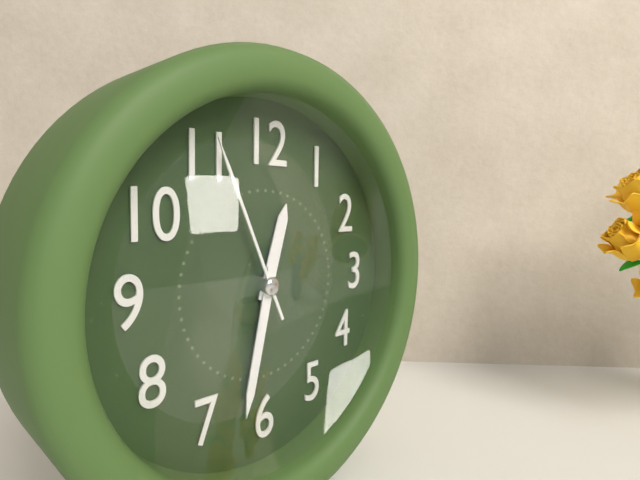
12.32.56
